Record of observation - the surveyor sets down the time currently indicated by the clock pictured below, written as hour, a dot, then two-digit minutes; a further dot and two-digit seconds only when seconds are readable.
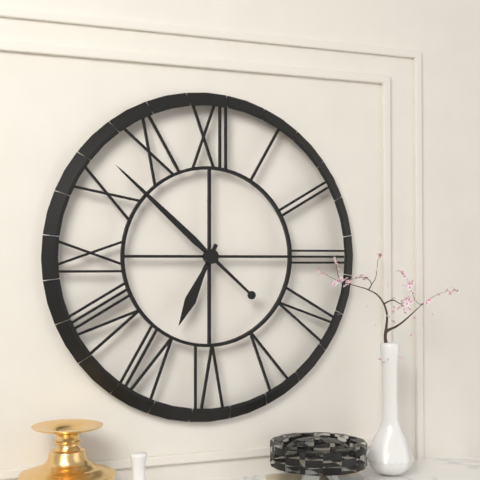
6.52
